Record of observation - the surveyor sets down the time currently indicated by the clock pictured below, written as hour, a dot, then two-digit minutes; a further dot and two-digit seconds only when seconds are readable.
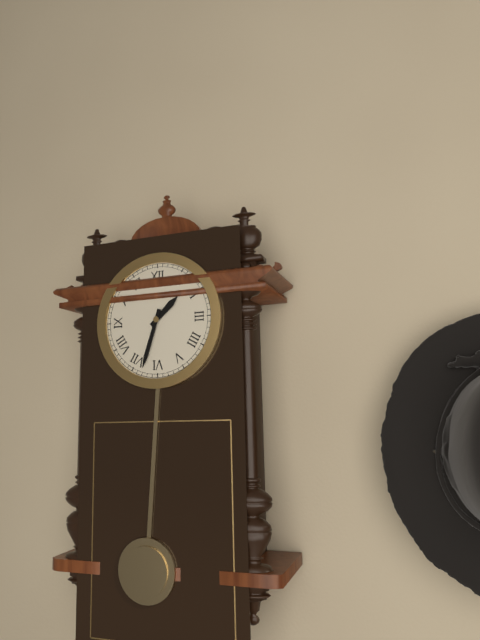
1.33
